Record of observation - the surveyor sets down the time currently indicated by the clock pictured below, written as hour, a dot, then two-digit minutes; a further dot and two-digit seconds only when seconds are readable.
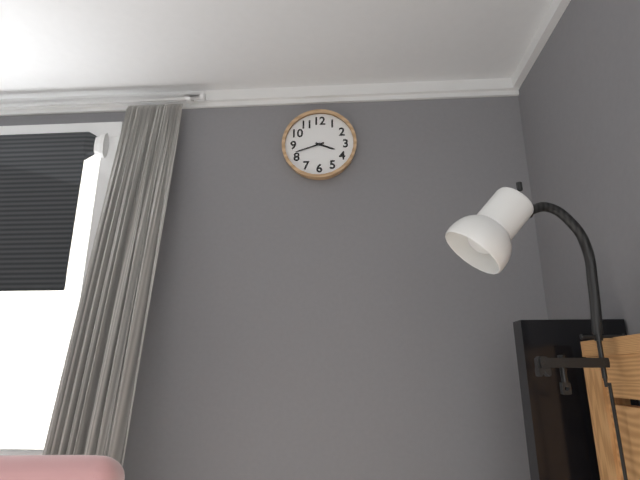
3.42
